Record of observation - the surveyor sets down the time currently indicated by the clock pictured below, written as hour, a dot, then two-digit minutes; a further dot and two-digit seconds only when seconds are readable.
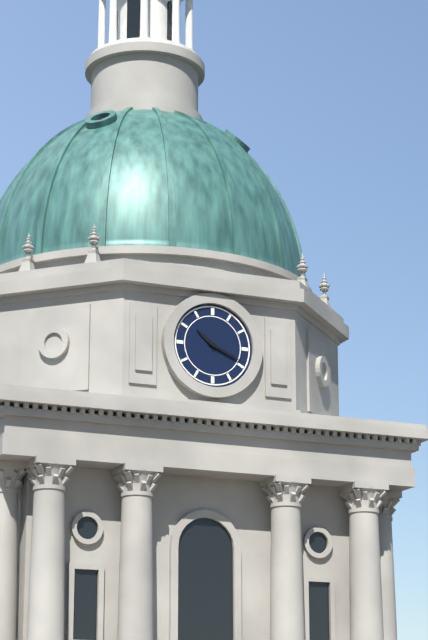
10.19
